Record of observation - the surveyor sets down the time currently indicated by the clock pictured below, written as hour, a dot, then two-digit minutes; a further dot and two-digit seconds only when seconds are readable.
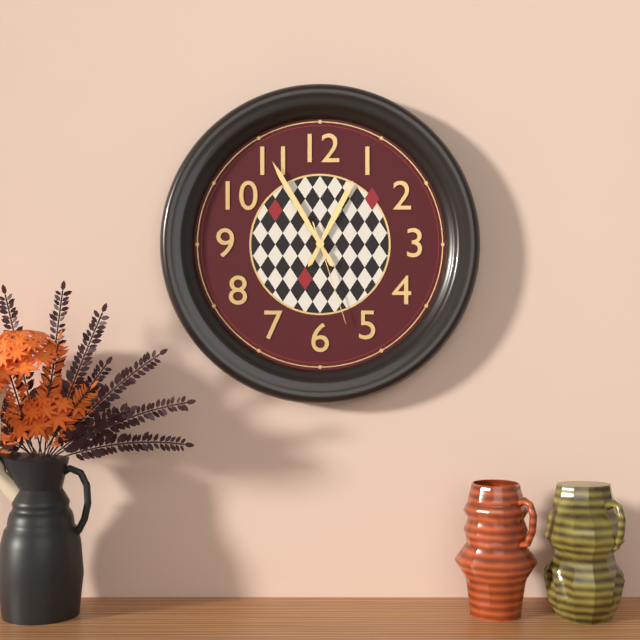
12.55.27
